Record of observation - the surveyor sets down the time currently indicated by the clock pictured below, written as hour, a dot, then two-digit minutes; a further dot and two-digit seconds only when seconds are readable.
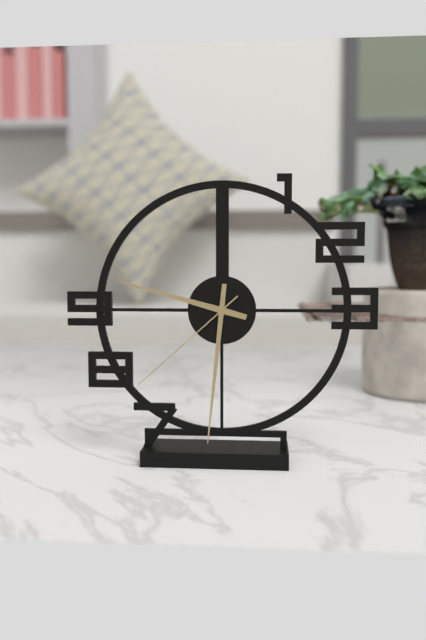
9.31.38
